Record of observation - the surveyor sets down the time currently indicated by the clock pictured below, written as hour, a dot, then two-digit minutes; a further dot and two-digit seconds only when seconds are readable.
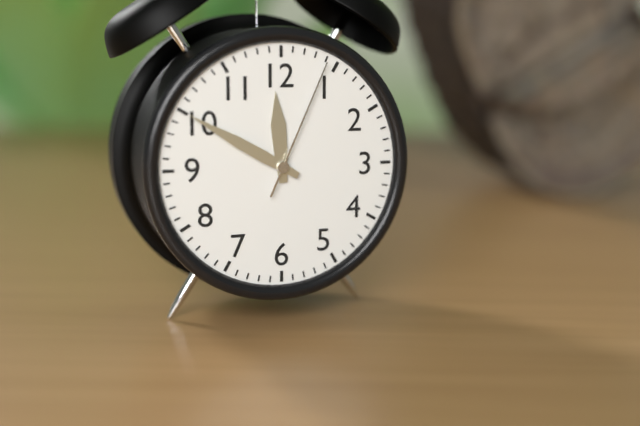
11.50.04
